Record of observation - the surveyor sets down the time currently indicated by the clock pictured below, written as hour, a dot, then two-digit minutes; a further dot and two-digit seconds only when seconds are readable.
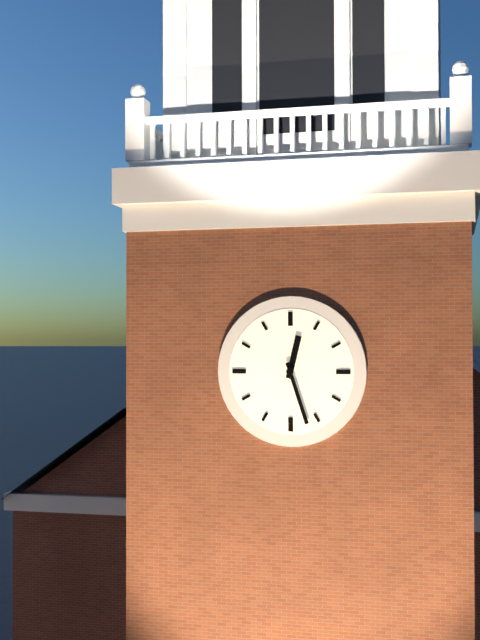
12.27
